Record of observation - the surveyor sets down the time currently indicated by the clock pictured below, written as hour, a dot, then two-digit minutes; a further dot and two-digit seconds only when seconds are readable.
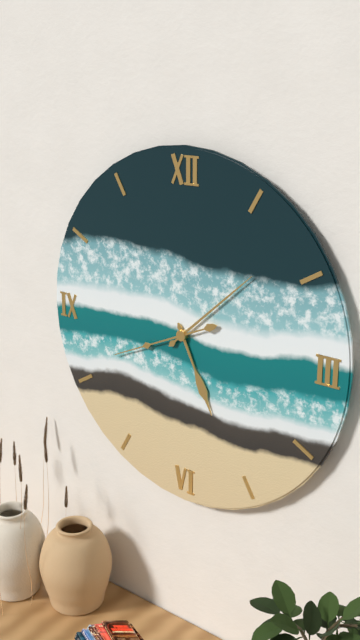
5.08.41
